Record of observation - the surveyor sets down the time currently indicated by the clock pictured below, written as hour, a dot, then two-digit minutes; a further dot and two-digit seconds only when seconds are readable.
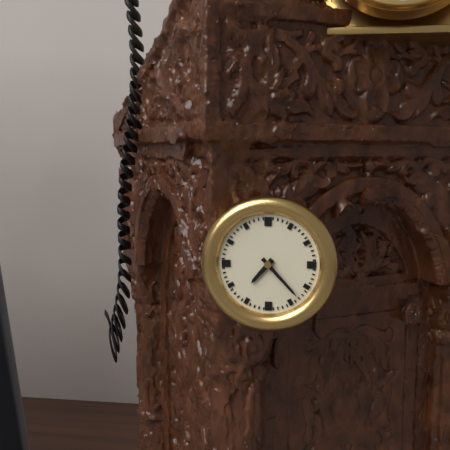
7.23
